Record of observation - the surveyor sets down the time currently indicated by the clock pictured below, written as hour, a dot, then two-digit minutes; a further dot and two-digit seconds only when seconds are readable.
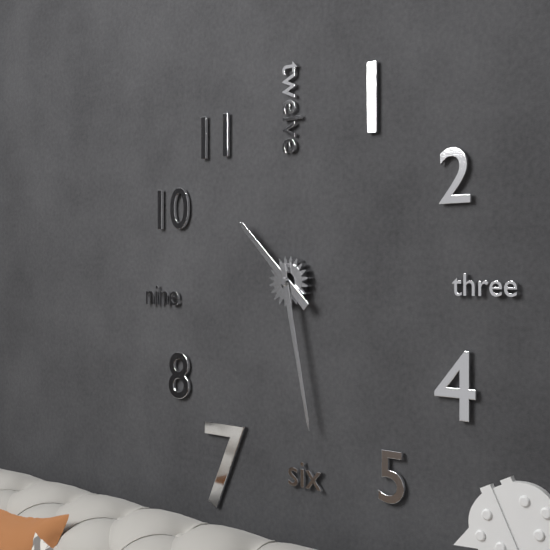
10.28
